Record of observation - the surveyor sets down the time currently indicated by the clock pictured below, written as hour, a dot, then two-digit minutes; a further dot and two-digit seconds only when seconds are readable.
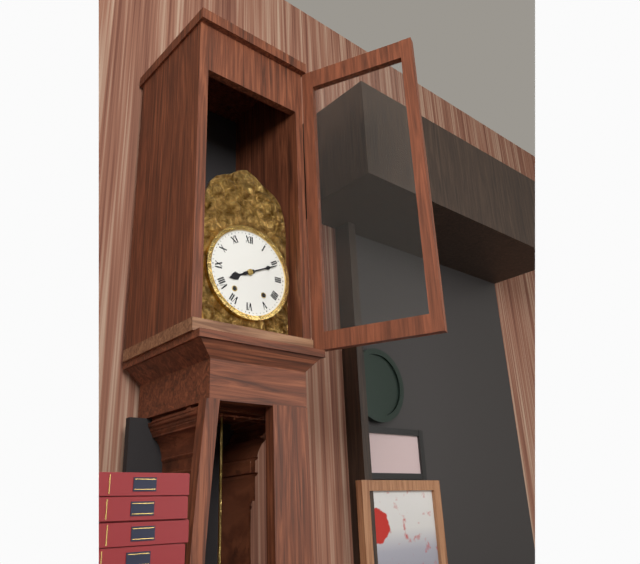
8.11
